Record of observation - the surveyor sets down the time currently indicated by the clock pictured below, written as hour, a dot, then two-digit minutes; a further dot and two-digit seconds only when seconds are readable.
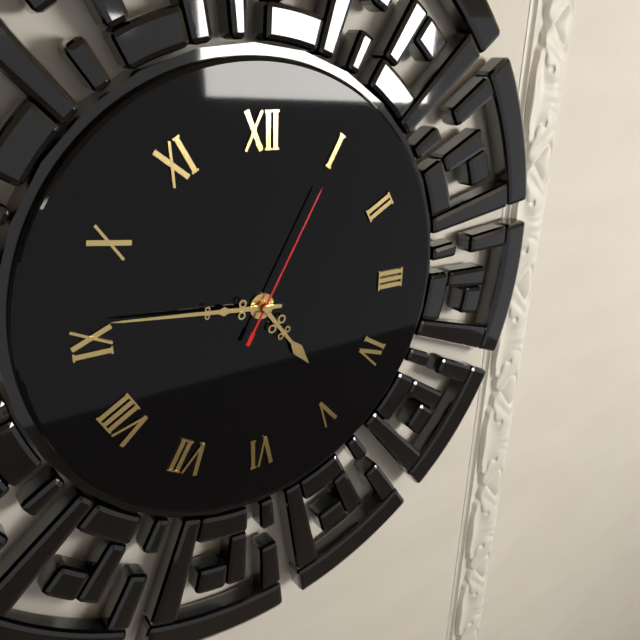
4.46.05
